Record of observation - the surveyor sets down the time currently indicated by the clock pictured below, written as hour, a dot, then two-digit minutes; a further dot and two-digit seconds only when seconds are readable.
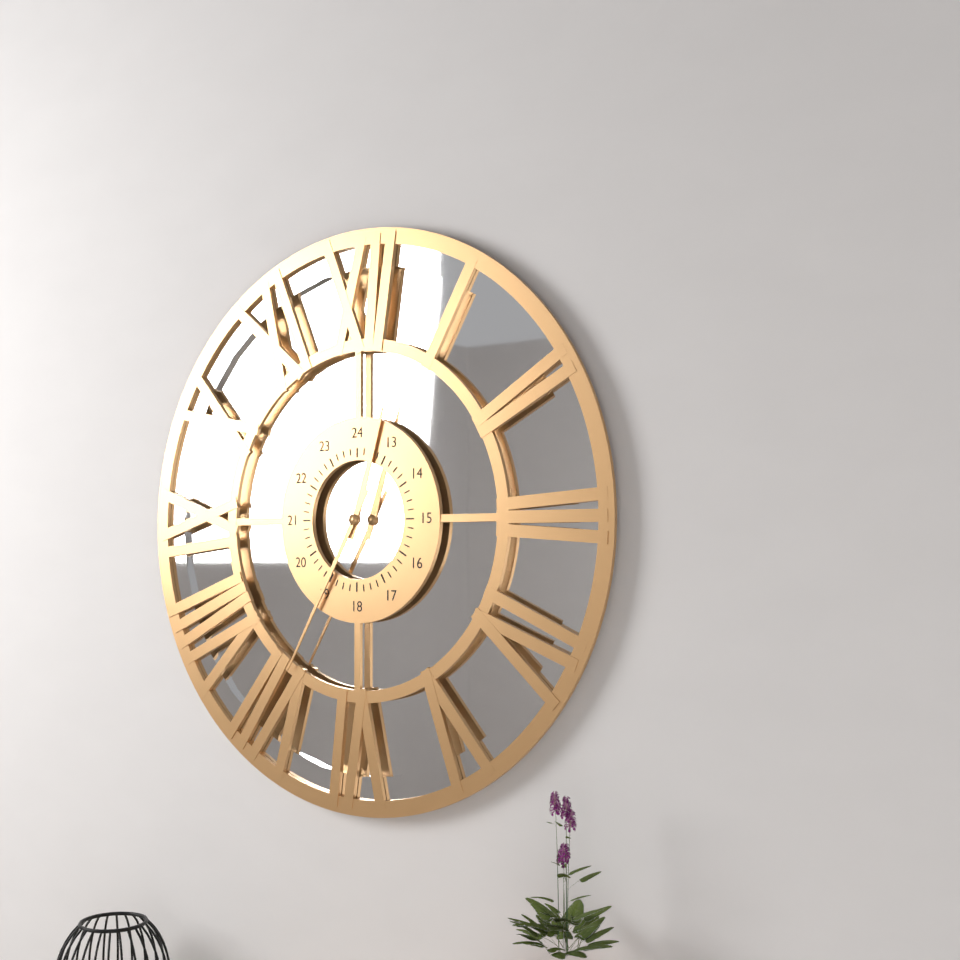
12.35
